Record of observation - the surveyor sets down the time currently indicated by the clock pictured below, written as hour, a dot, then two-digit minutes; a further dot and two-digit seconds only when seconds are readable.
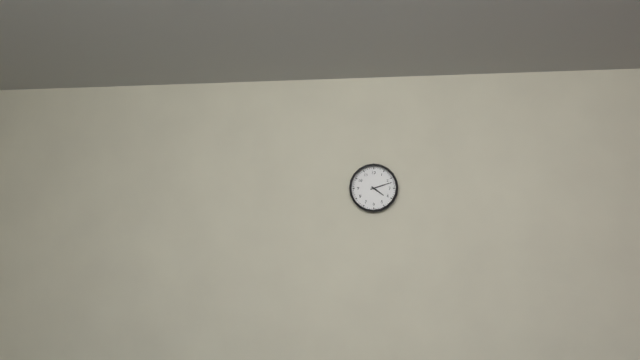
4.12
